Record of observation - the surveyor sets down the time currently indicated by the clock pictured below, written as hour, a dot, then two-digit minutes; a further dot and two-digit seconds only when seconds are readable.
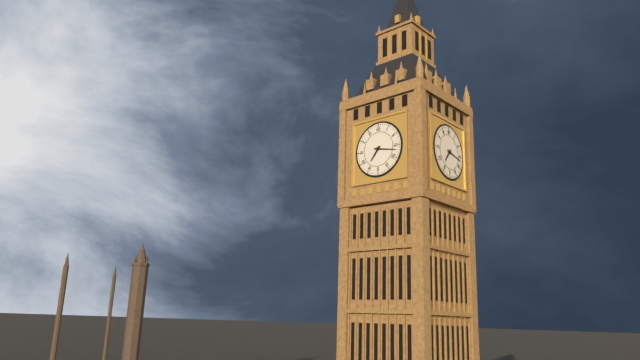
7.17
